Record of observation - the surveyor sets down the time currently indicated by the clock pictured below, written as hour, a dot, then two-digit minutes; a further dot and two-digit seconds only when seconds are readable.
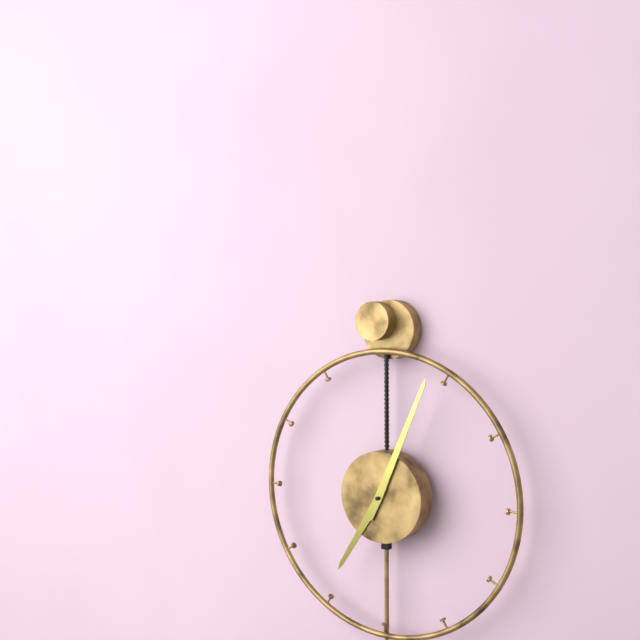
7.04
